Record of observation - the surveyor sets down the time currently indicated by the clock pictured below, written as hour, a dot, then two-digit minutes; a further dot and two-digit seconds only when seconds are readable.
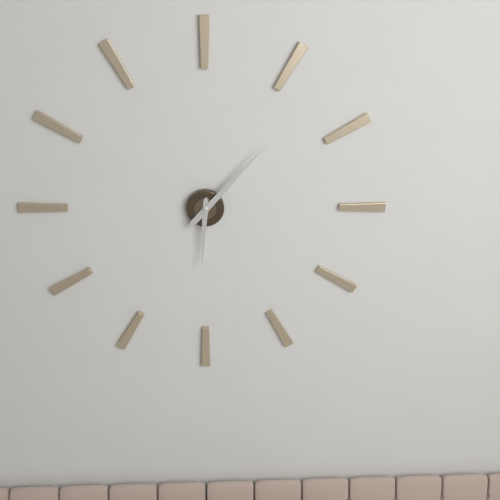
6.07
